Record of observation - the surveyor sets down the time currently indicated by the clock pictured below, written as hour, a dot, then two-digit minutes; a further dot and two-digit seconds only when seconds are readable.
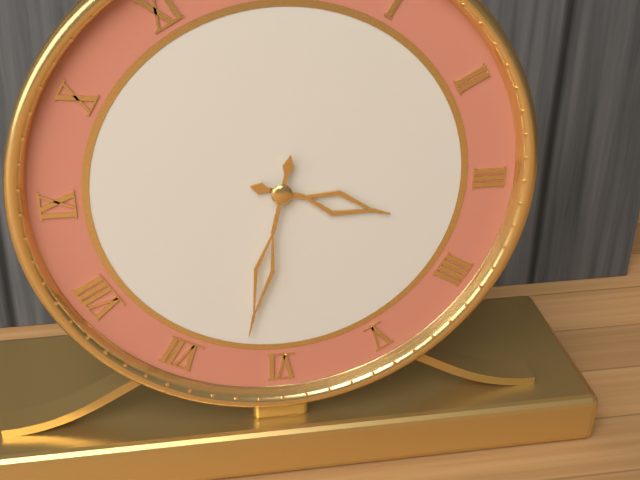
3.32
